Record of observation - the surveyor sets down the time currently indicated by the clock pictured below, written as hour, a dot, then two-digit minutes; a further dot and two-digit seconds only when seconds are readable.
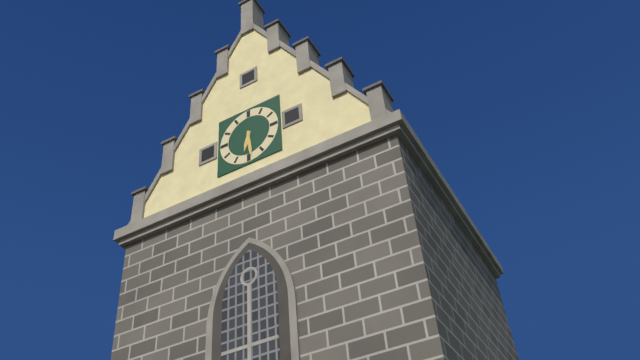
6.29
